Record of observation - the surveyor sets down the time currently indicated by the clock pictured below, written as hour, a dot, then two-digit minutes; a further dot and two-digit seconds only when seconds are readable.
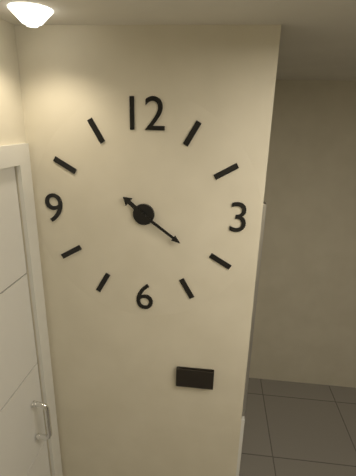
10.21
